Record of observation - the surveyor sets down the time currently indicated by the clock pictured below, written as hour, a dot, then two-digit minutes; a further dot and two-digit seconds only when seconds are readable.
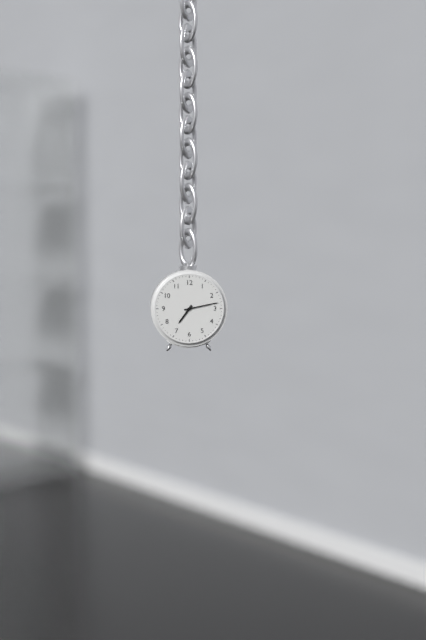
7.13
